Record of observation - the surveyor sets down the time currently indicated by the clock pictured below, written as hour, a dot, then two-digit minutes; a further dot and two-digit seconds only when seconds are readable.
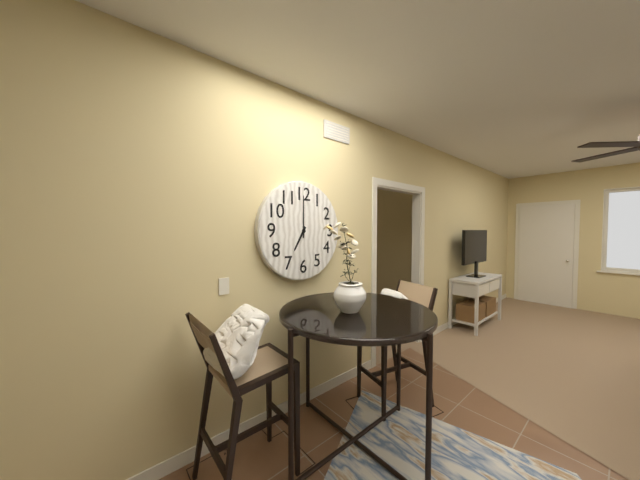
7.00
